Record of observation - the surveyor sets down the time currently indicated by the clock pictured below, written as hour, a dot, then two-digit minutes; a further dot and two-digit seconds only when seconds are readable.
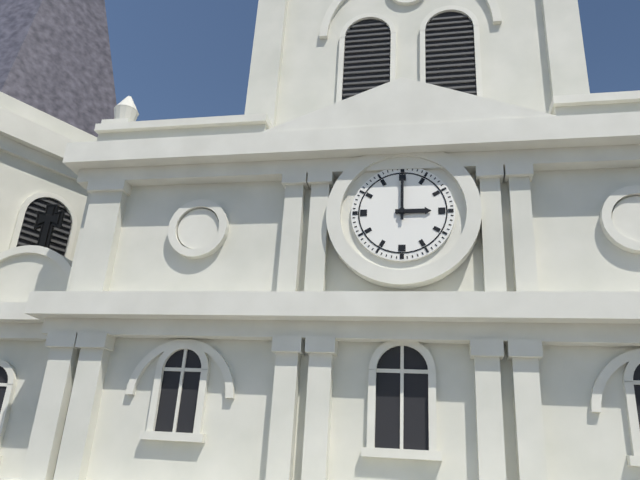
3.00
